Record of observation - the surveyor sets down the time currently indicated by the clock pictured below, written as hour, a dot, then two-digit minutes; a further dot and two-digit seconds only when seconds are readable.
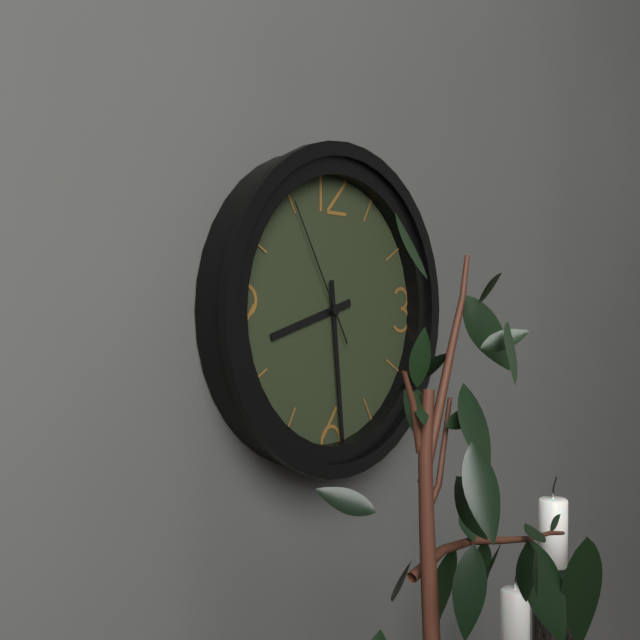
8.29.55
